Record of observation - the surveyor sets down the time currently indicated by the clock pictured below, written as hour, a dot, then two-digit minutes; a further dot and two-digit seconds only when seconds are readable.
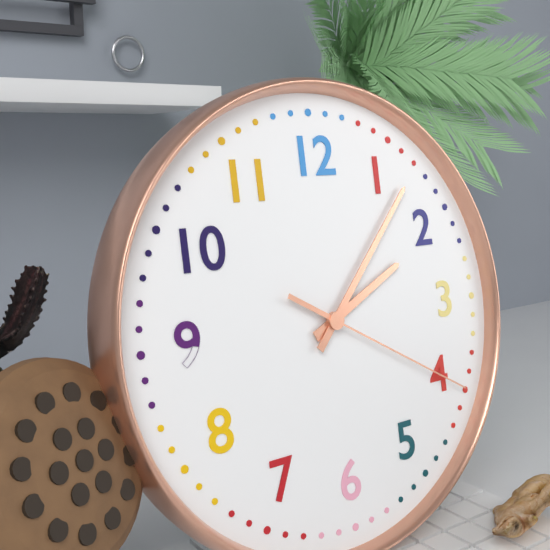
2.07.20
